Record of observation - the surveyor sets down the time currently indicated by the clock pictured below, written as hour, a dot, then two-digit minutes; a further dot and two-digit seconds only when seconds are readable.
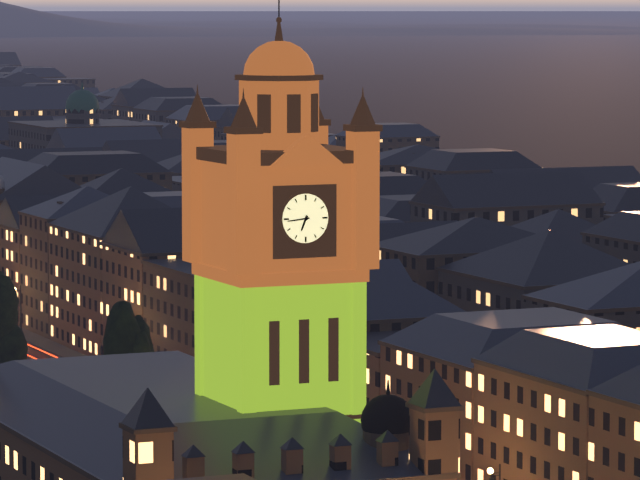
6.44
